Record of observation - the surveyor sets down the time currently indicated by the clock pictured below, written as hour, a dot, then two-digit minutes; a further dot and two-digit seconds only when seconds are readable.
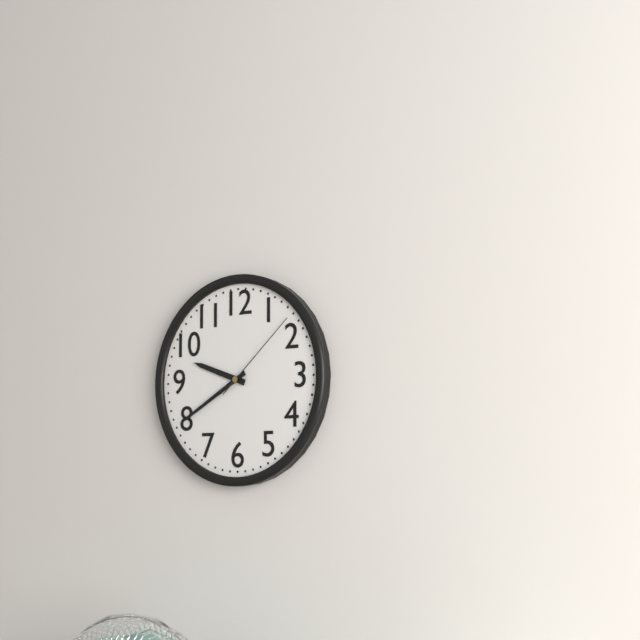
9.40.08
